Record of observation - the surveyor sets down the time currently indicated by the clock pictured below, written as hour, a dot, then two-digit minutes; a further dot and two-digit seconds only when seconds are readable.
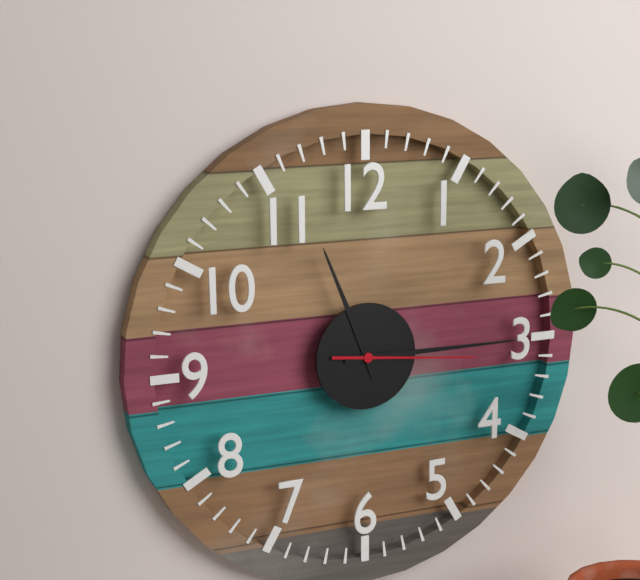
11.15.16
